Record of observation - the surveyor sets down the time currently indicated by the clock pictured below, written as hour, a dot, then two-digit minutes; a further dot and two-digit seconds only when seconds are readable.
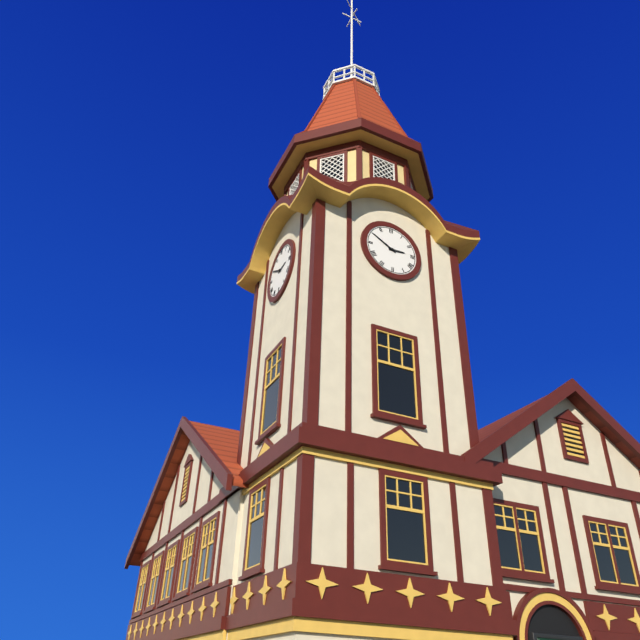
2.50
